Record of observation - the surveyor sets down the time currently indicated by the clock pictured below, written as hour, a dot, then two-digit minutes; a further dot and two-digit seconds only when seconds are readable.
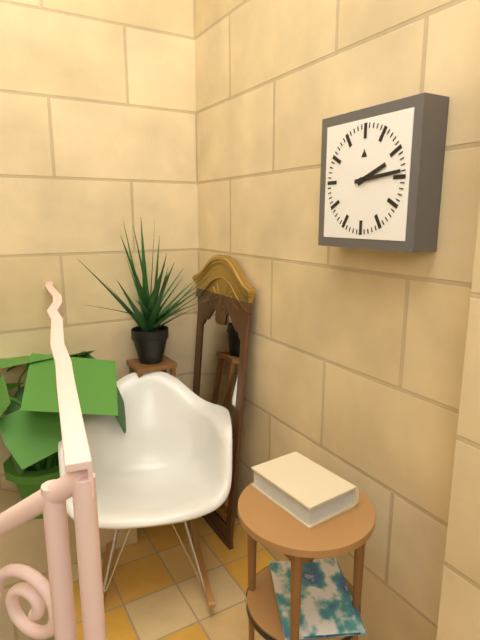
2.14
